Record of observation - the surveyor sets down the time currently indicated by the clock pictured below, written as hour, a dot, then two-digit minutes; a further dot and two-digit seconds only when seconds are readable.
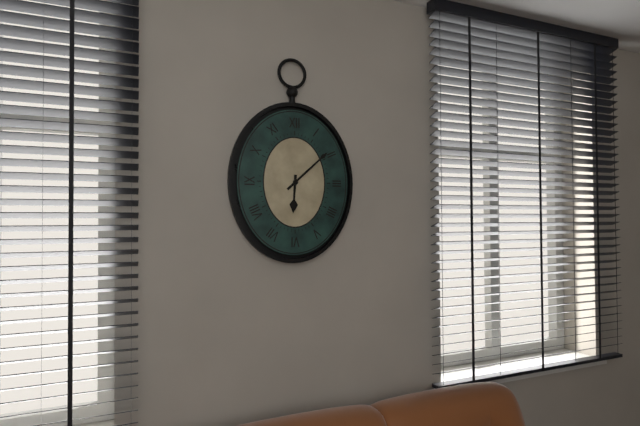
6.08
